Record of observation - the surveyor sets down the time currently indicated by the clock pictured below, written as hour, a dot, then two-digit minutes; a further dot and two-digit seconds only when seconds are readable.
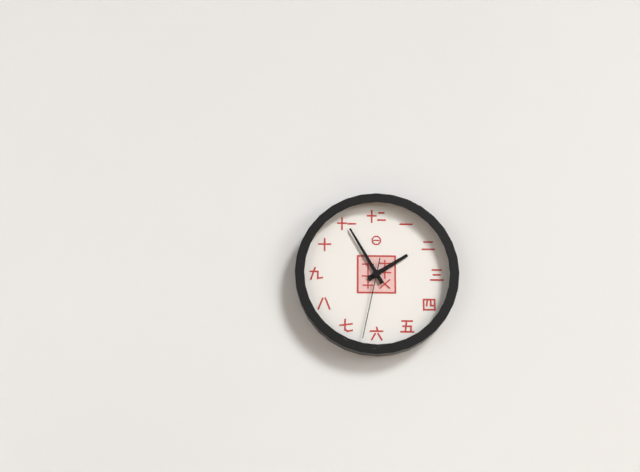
1.55.32
